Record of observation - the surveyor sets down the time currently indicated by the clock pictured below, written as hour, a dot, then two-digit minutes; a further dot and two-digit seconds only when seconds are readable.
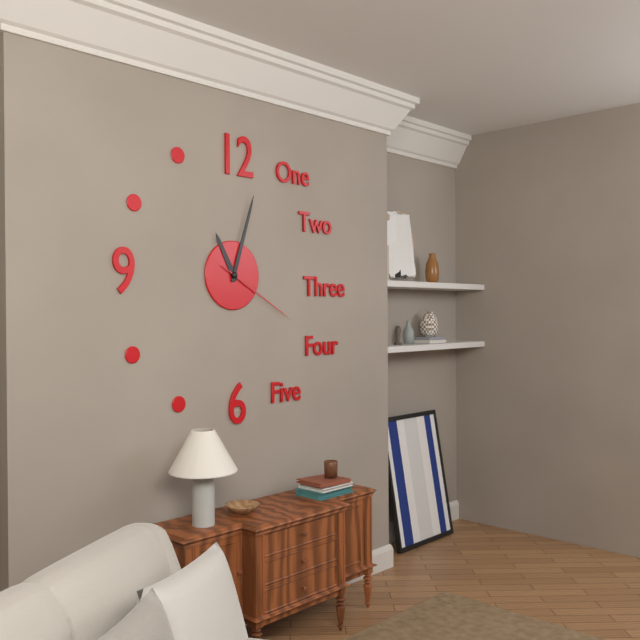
11.03.20
